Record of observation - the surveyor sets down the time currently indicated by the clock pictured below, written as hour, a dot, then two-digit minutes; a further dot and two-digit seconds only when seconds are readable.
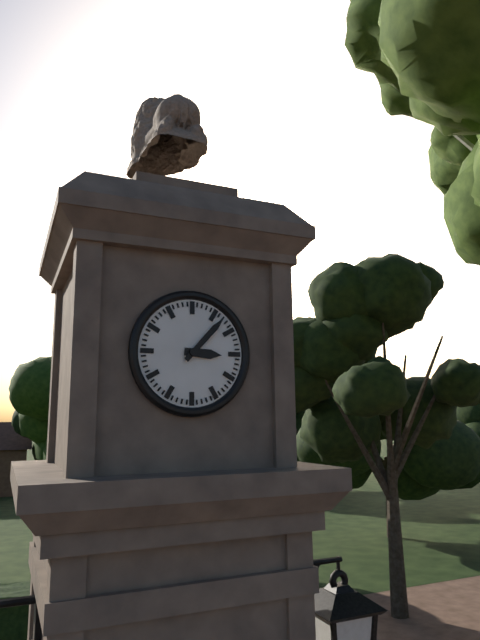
3.07
